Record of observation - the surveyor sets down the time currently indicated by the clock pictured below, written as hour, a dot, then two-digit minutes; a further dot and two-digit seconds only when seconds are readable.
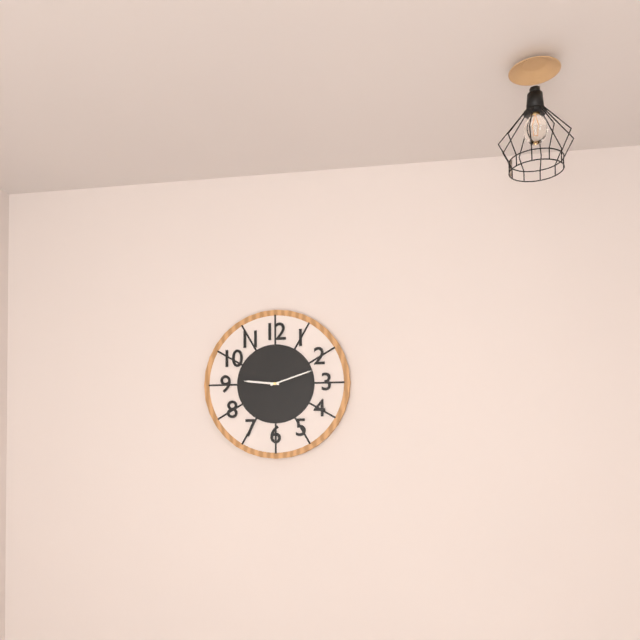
9.12
